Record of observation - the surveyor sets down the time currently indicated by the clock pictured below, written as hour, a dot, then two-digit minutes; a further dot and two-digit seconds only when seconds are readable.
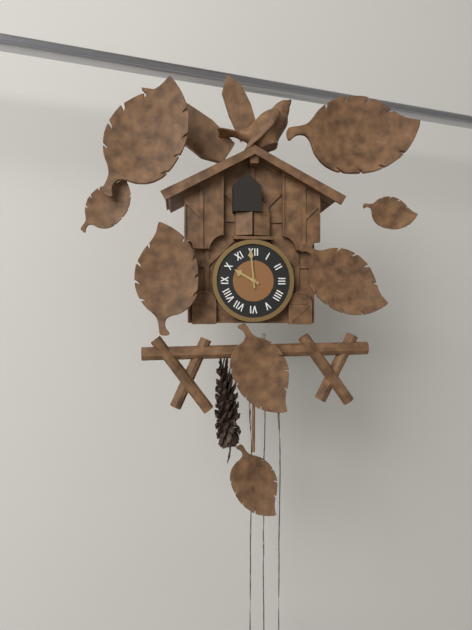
9.59
